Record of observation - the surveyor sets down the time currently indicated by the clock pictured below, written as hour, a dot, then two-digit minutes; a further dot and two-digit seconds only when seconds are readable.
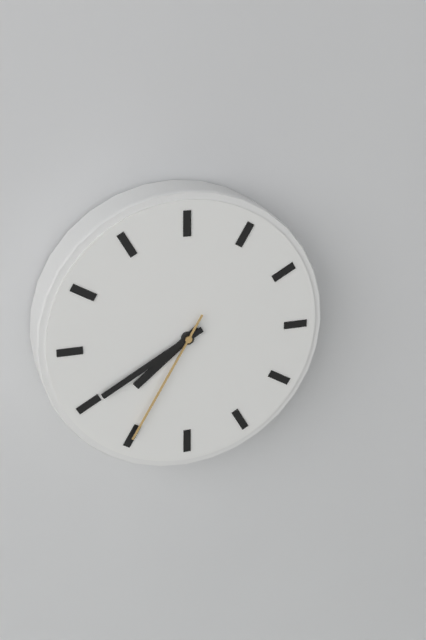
7.40.35
